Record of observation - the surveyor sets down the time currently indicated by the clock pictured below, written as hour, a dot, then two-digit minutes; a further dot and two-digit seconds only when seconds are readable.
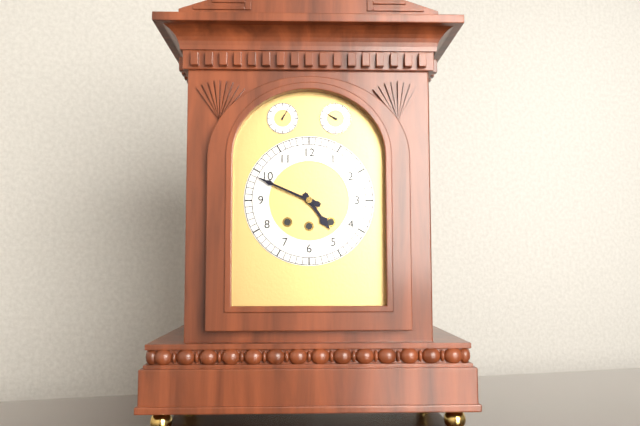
4.49
